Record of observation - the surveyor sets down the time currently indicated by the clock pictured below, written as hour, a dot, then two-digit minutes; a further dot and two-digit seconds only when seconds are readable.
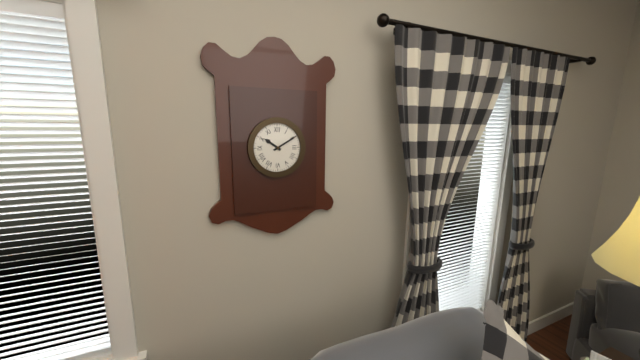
10.10
